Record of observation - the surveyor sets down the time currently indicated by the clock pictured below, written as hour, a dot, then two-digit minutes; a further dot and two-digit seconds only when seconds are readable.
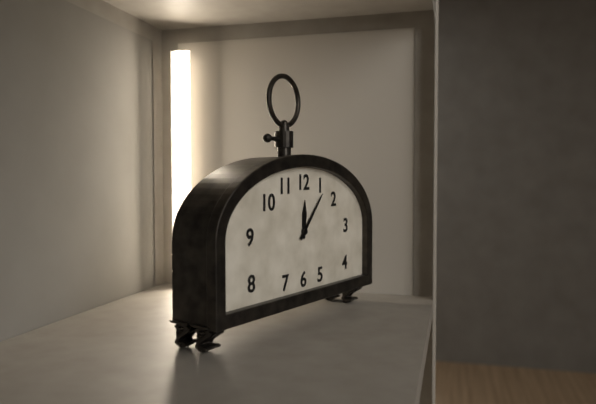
12.07
